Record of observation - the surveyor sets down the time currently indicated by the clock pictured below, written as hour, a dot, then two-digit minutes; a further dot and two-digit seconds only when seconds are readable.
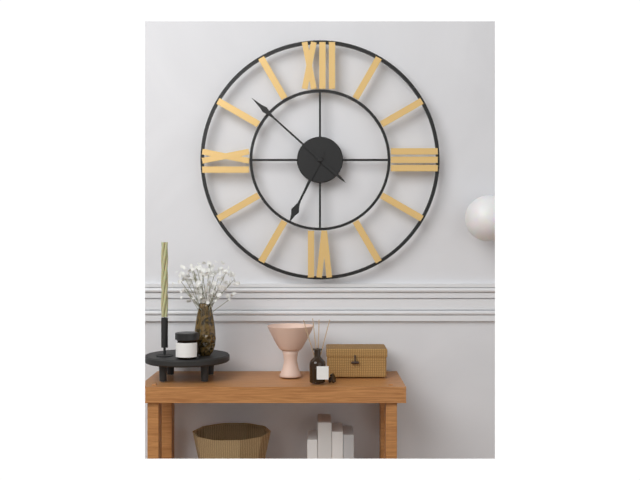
6.52
